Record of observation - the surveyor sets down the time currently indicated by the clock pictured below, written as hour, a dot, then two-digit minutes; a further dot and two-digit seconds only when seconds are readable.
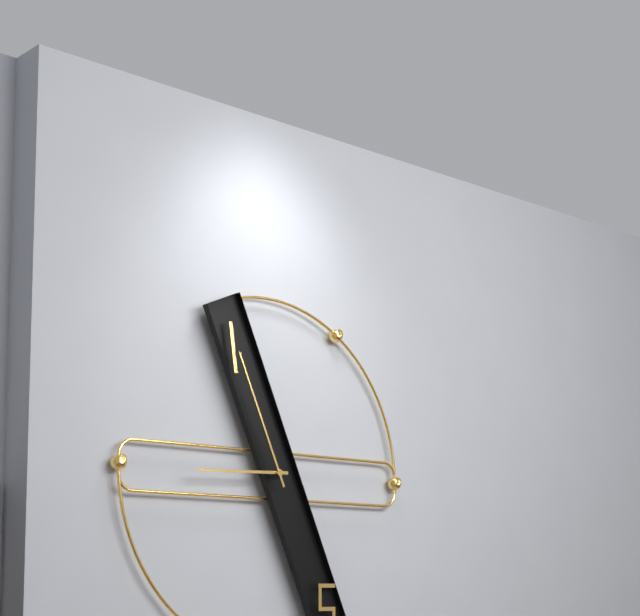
8.56
